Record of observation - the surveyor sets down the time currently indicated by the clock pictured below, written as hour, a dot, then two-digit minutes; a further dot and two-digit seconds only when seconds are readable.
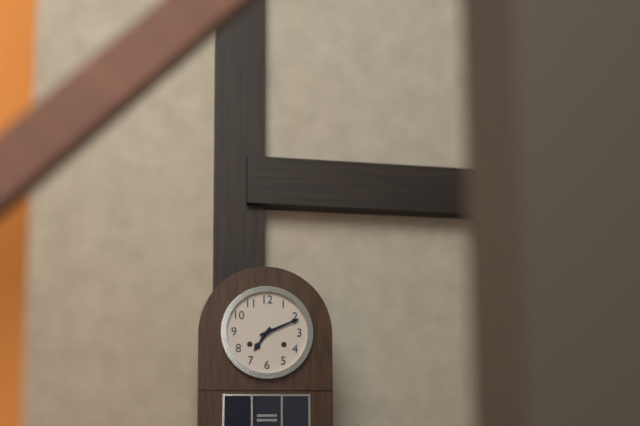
7.11
